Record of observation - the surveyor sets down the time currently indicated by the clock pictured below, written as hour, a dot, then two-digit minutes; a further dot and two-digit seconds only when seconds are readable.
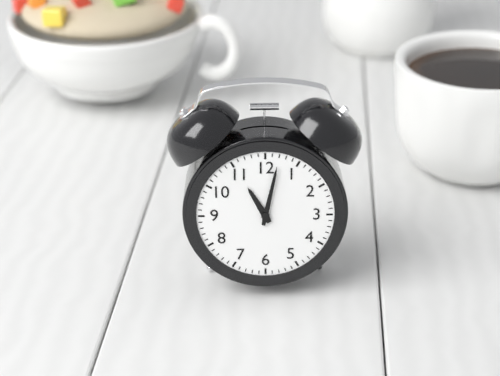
11.02
